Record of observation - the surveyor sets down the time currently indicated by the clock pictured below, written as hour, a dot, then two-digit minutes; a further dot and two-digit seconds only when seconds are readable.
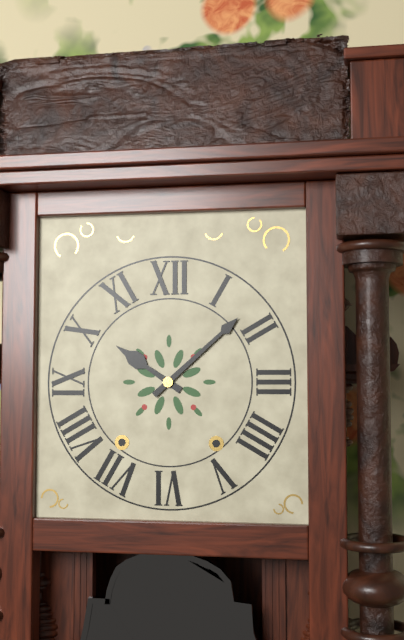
10.08
